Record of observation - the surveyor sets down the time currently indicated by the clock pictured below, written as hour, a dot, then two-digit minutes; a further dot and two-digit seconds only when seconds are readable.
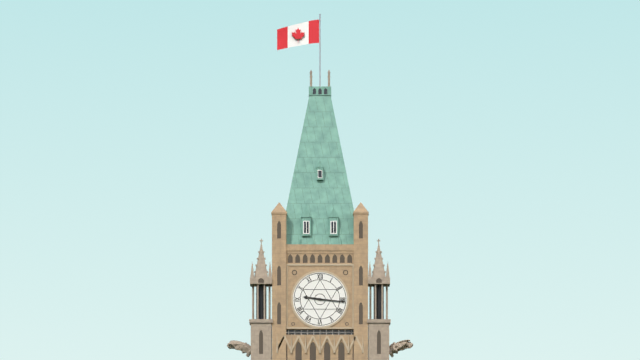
9.16
